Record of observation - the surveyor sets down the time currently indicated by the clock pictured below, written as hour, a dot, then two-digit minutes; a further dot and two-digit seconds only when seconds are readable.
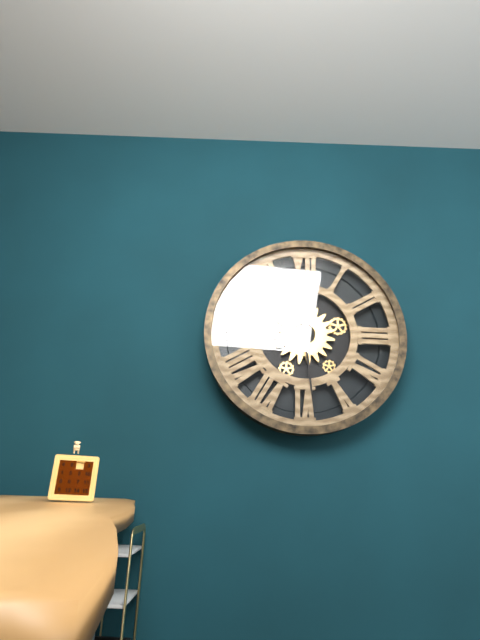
12.29
